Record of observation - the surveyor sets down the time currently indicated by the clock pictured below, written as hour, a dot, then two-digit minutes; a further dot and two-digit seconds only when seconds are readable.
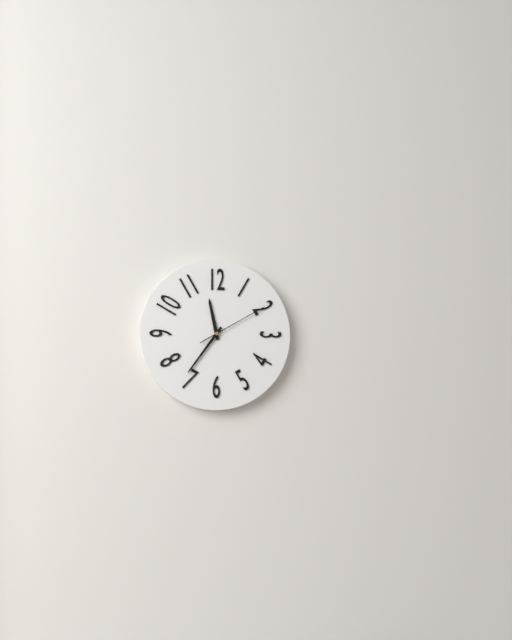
11.36.10
